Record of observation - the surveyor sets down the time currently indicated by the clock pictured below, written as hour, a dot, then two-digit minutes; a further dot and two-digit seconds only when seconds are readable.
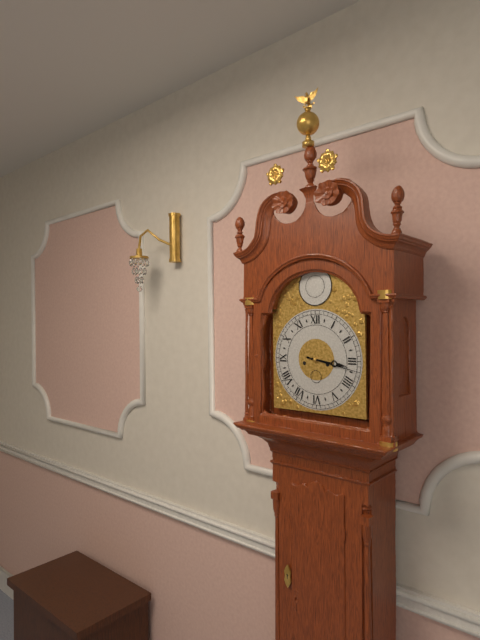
3.17
